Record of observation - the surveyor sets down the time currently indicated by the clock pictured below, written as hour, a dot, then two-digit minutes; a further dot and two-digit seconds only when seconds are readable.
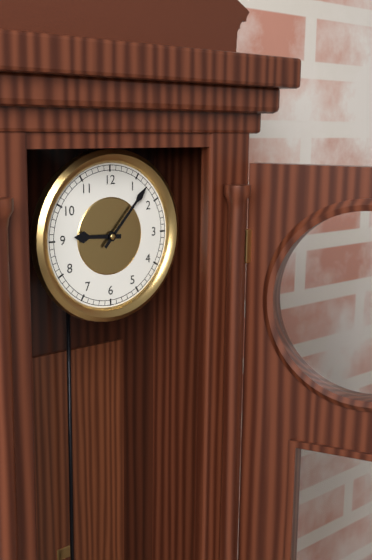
9.07
